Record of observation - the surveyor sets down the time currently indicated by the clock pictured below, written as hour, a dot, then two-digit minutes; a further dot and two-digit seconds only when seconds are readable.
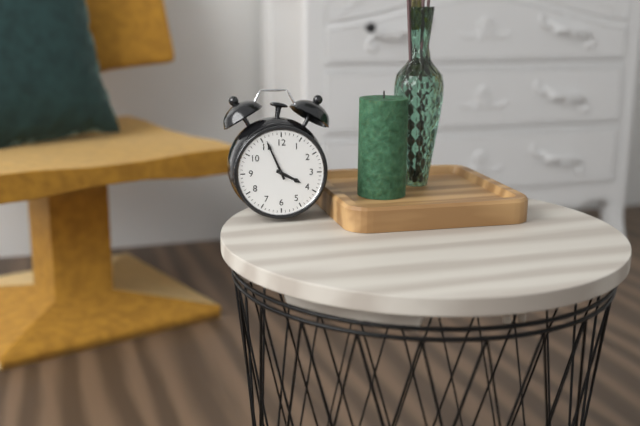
3.56
